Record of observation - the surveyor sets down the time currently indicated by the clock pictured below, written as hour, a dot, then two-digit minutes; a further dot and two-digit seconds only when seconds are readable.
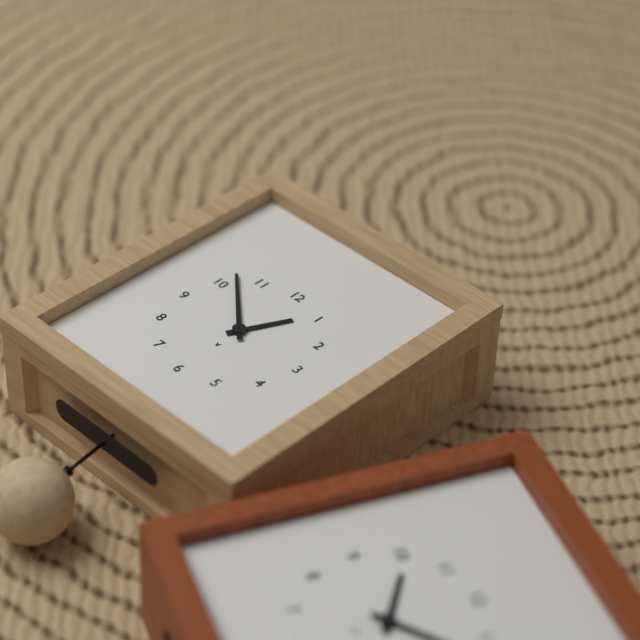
12.52
